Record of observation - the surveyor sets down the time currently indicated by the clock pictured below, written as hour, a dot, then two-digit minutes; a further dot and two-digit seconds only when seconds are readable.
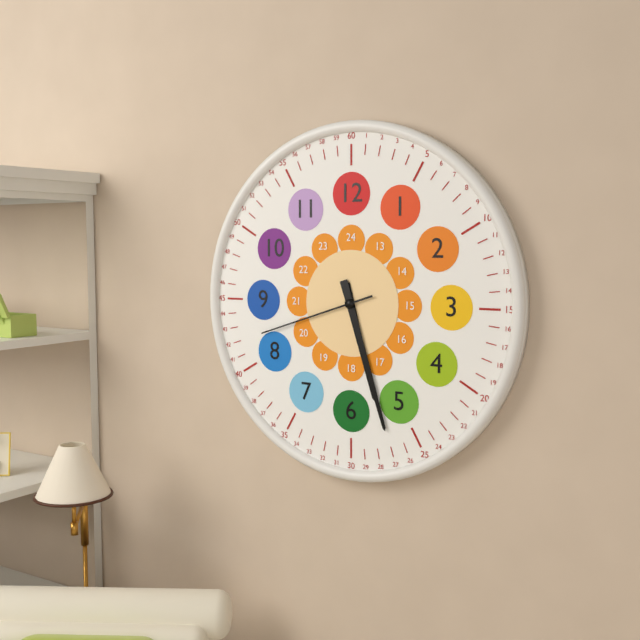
5.27.42
